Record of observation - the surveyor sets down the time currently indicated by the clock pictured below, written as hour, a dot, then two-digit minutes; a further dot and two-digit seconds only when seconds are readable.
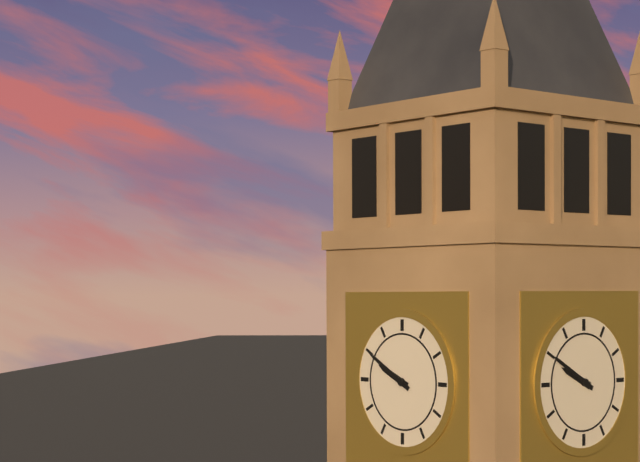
9.50
